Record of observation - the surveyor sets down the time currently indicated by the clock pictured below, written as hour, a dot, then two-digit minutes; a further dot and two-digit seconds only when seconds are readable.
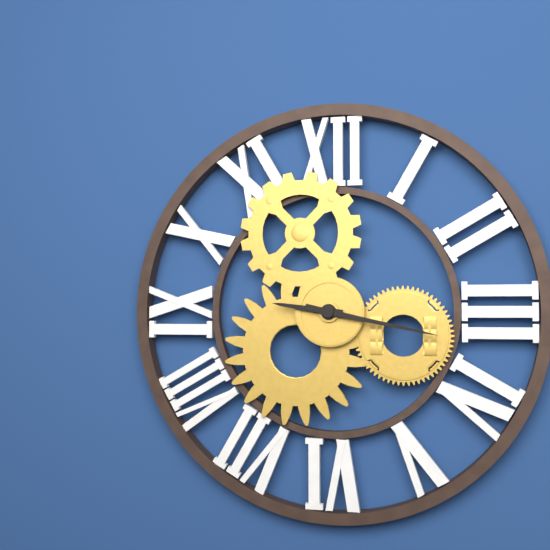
9.17
